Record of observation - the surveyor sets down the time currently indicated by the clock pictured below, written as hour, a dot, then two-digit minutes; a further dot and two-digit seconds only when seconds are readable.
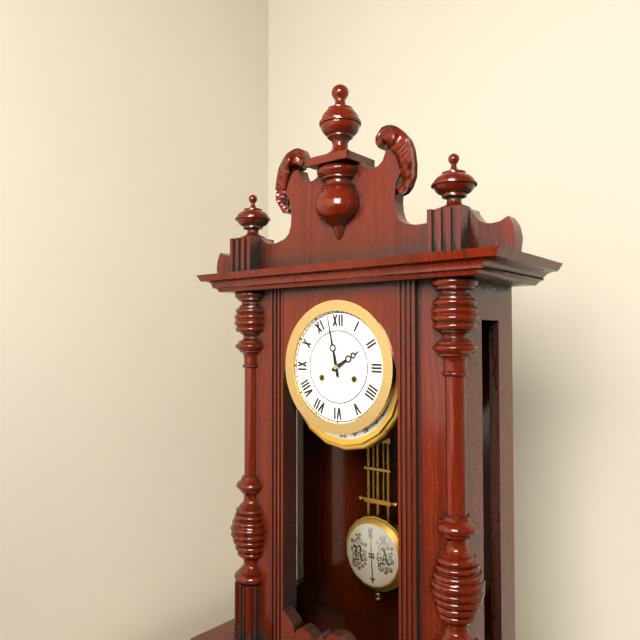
1.58
